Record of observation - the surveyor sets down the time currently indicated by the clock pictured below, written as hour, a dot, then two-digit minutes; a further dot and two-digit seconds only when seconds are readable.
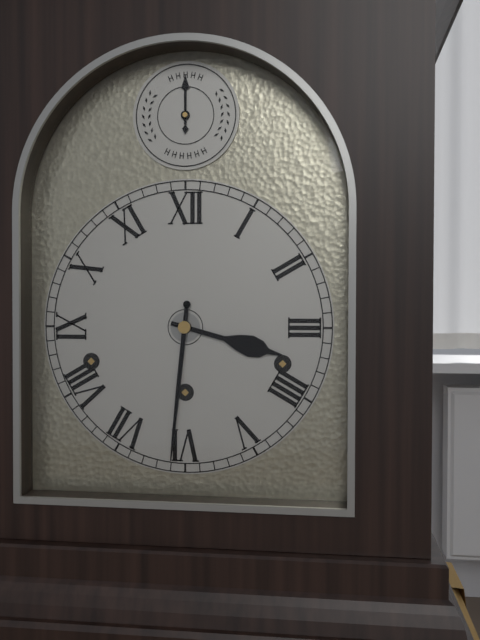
3.31
